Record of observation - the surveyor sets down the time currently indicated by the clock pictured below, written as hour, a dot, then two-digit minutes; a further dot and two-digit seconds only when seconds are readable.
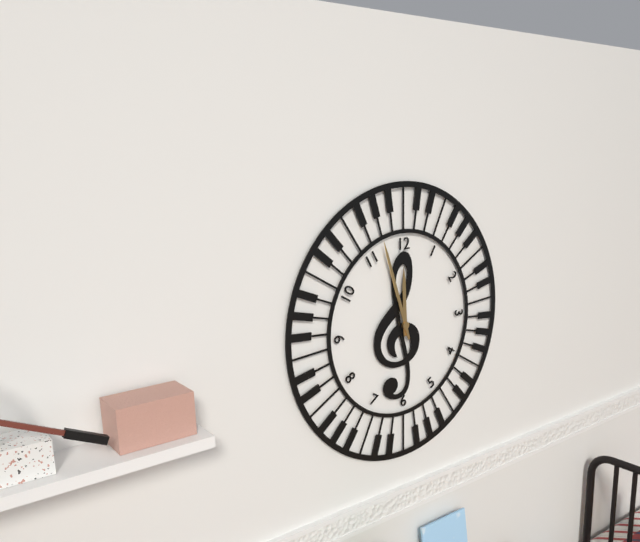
11.57
